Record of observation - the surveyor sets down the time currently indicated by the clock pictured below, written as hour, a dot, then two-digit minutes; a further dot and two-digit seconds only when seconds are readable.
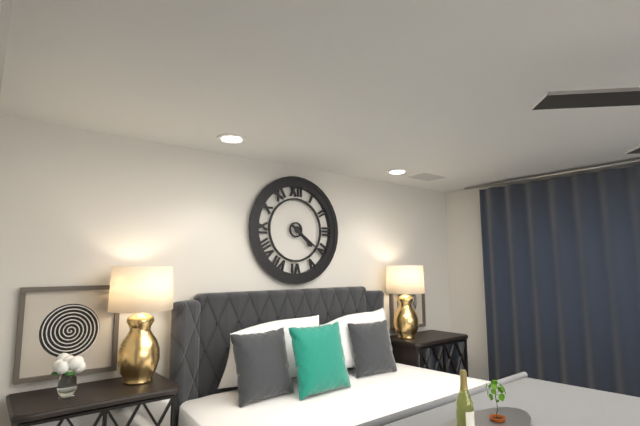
4.21
